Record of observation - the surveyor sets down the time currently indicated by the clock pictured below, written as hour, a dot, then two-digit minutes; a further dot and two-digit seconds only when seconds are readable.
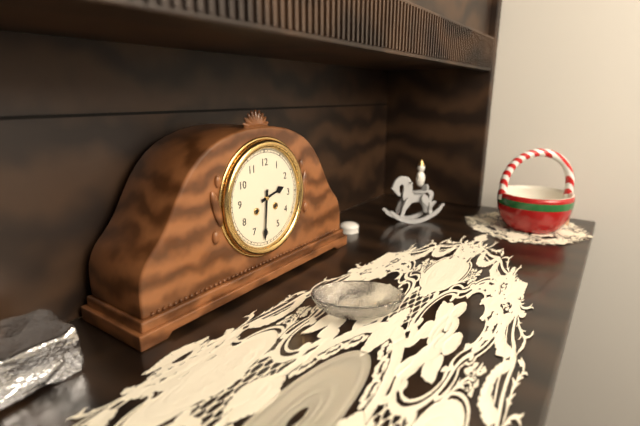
2.31
